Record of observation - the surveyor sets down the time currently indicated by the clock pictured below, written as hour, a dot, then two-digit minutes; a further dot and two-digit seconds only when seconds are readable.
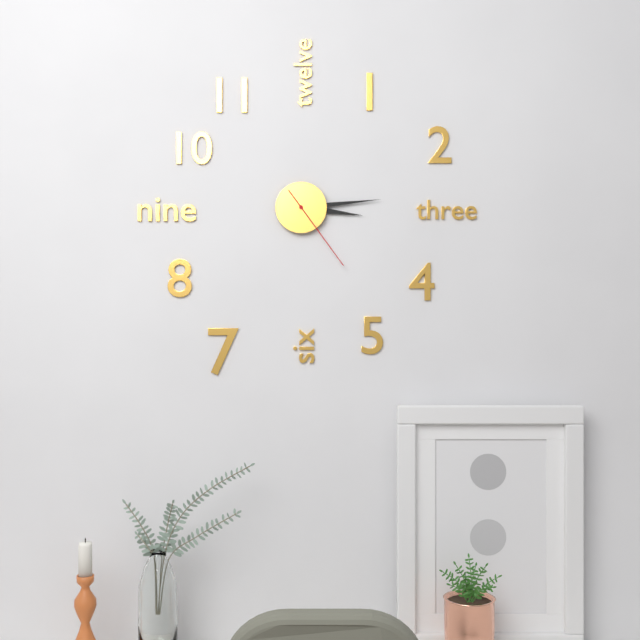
3.14.24
